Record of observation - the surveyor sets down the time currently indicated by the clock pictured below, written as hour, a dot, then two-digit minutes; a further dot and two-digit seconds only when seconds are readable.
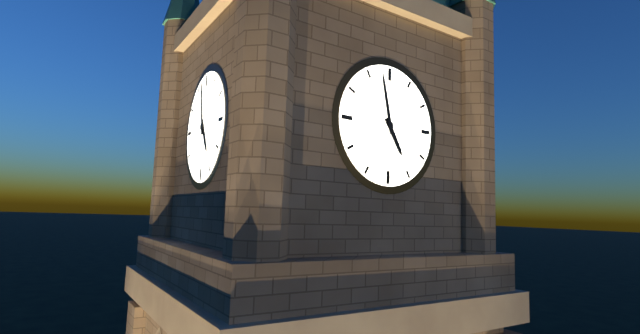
4.58
